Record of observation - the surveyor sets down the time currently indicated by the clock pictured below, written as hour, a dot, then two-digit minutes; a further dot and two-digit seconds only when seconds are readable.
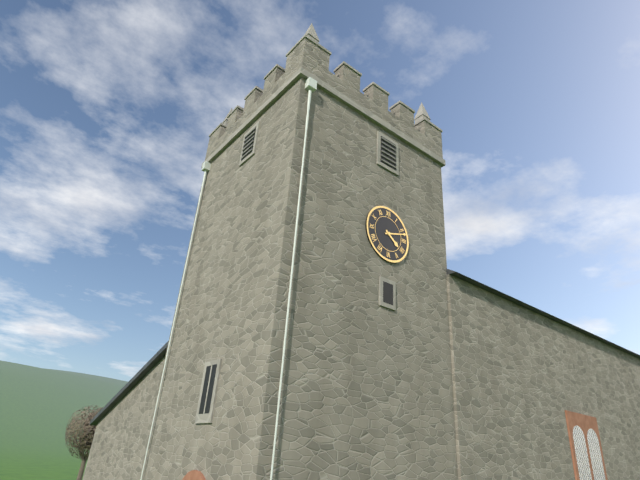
4.12
